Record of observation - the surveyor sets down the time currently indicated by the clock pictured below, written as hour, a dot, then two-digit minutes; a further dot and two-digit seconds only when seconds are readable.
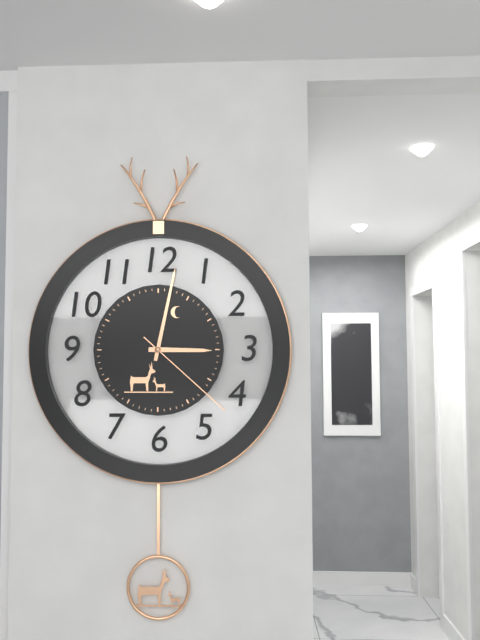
3.02.22
